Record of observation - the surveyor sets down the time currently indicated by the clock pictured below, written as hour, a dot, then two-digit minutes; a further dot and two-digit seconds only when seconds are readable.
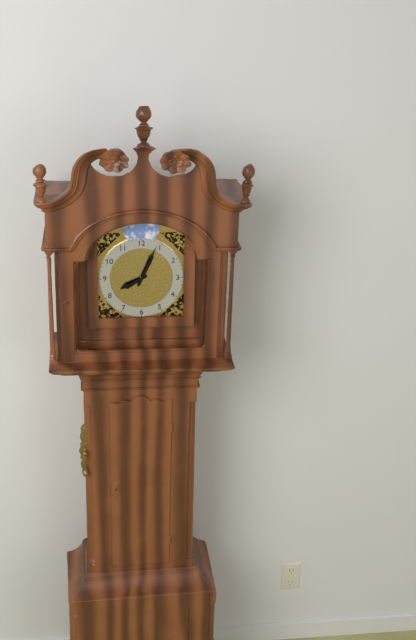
8.04
